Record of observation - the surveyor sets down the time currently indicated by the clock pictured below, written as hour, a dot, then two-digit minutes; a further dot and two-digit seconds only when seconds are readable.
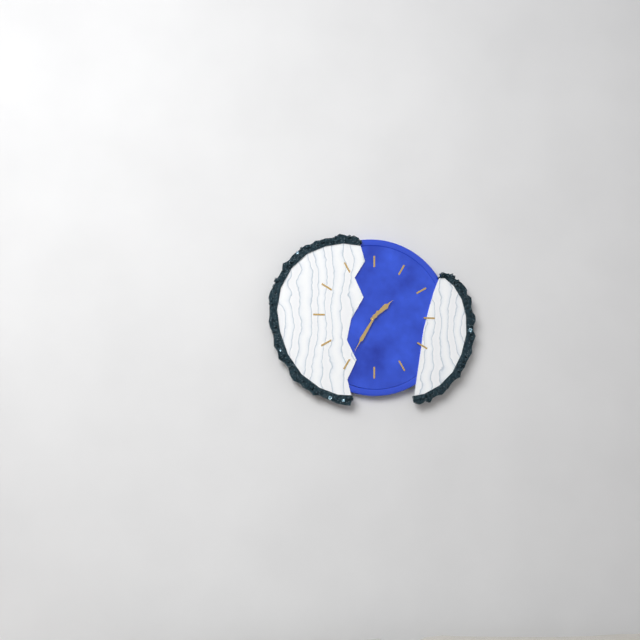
1.35
